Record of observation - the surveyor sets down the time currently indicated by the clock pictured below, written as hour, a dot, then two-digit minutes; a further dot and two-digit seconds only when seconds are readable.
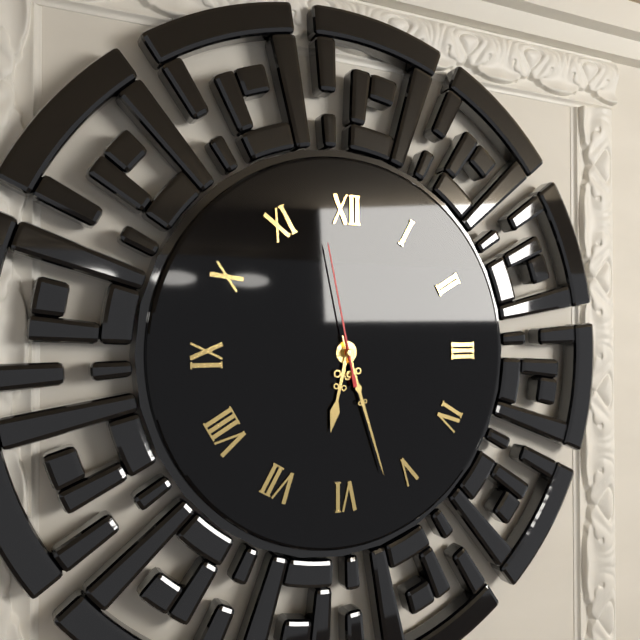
6.27.58
